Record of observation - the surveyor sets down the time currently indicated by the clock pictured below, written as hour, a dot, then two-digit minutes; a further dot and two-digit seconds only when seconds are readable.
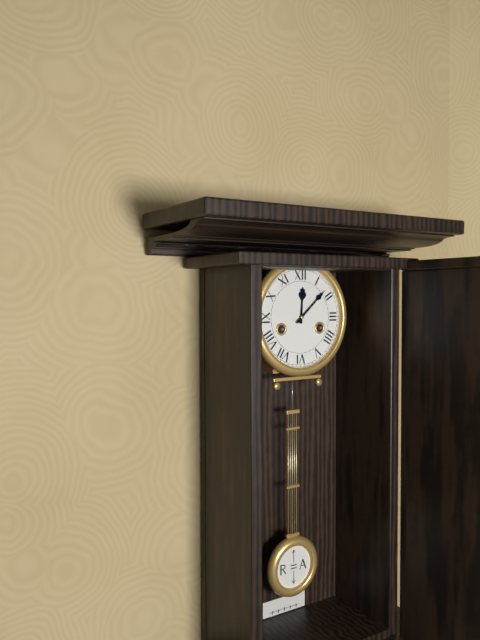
12.08
